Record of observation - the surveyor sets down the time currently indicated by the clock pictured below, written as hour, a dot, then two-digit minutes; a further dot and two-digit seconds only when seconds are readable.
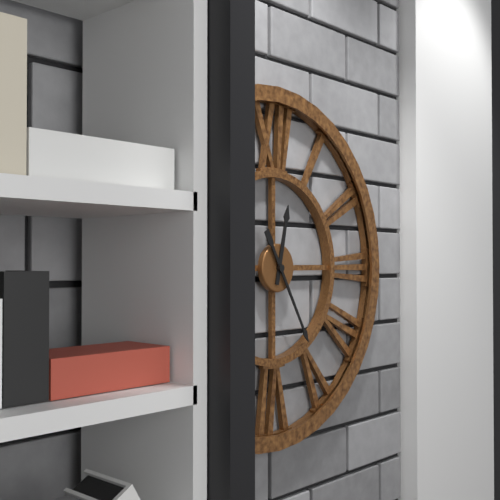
12.25
